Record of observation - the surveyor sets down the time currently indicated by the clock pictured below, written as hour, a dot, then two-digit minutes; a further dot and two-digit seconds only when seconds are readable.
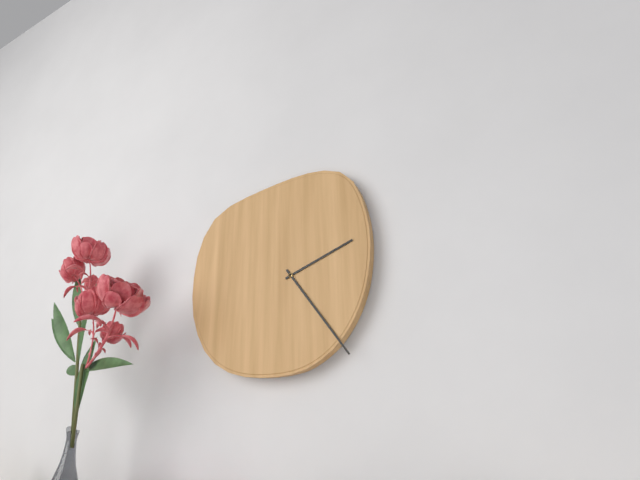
2.24
